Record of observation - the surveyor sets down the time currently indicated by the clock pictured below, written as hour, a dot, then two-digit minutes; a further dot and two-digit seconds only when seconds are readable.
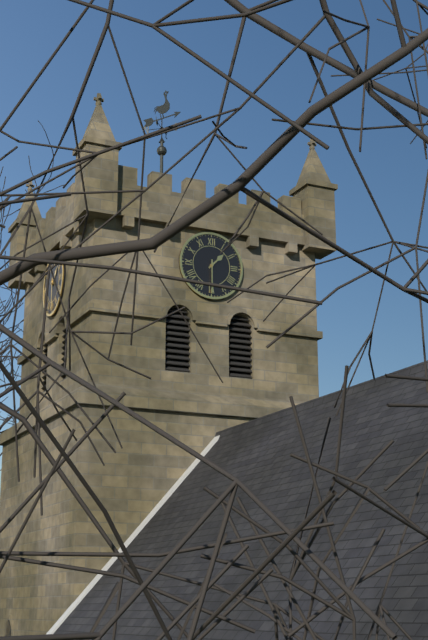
1.30
